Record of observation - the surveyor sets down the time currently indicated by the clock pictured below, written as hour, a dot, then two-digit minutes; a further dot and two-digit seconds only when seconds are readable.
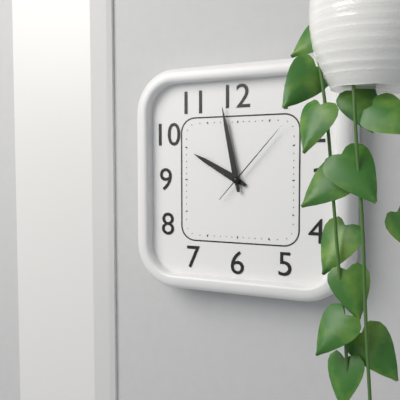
9.58.07
